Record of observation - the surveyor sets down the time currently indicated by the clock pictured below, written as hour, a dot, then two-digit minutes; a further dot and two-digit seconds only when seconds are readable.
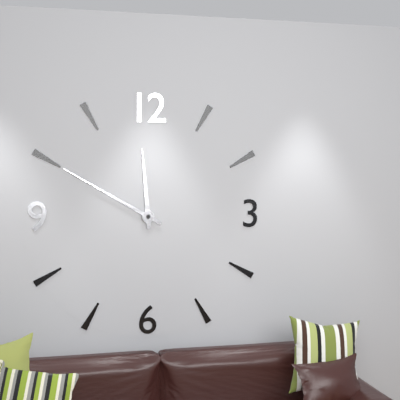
11.50
